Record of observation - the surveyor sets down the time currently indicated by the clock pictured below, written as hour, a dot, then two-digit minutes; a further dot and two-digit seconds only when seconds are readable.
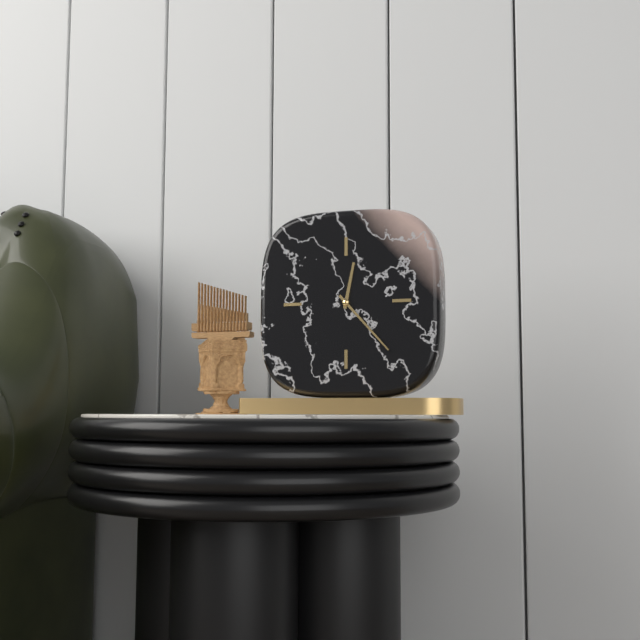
12.23
